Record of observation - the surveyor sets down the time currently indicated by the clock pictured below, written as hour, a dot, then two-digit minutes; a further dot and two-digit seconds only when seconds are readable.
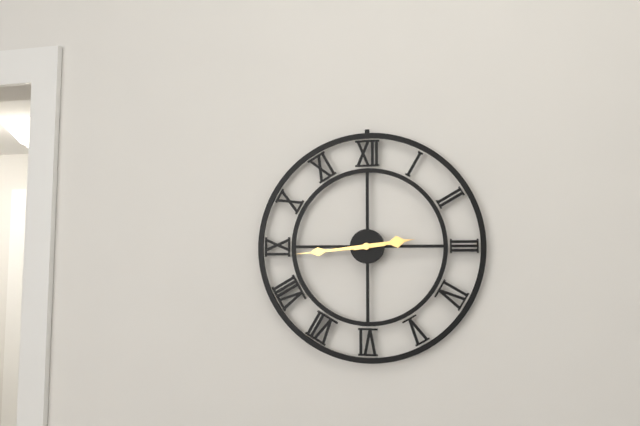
2.44
